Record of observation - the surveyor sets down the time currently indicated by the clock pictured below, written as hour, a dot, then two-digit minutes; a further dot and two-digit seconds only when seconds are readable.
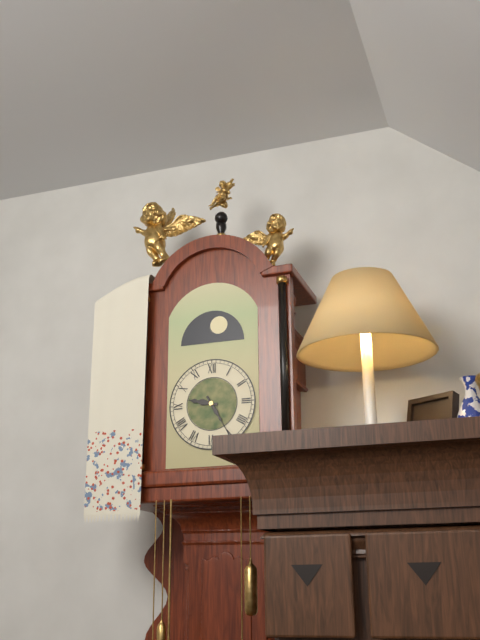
9.25
